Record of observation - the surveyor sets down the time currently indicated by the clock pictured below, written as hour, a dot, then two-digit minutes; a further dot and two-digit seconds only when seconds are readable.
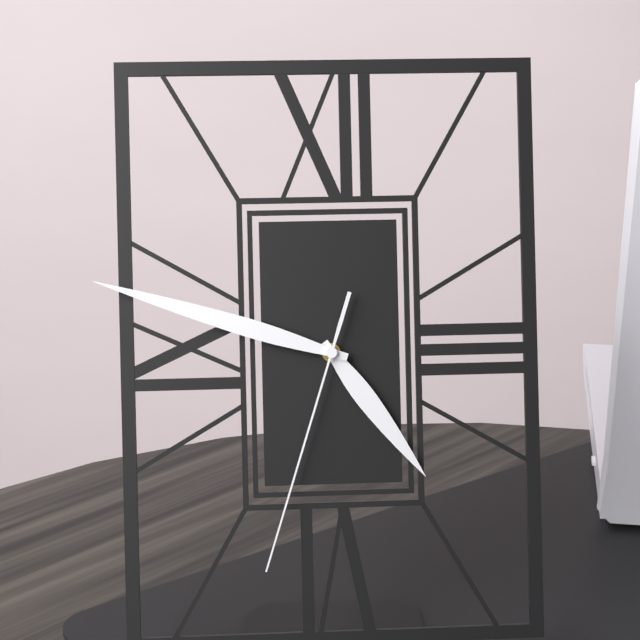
4.48.33
